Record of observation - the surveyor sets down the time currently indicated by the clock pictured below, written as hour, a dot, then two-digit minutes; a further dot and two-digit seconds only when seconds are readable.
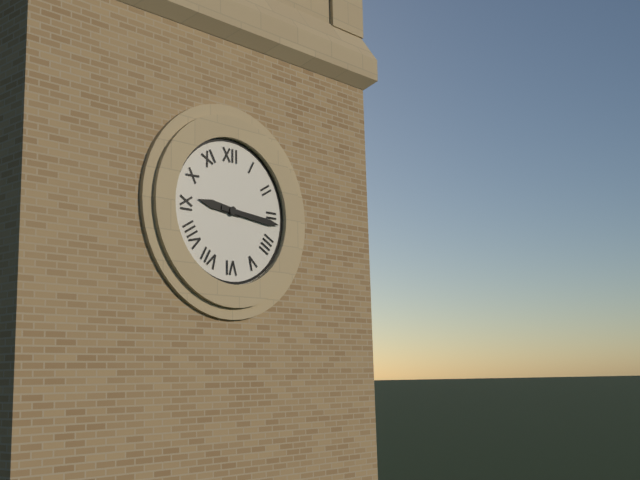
9.16
